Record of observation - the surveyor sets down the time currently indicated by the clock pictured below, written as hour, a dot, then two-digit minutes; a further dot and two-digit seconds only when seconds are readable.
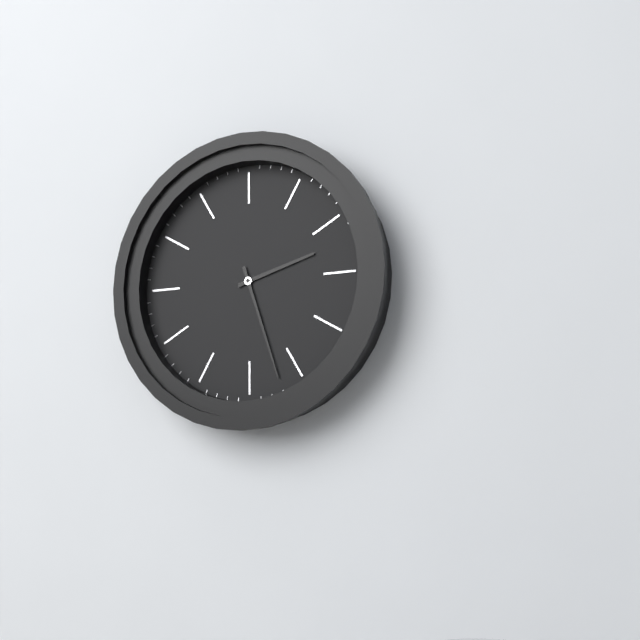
2.27
